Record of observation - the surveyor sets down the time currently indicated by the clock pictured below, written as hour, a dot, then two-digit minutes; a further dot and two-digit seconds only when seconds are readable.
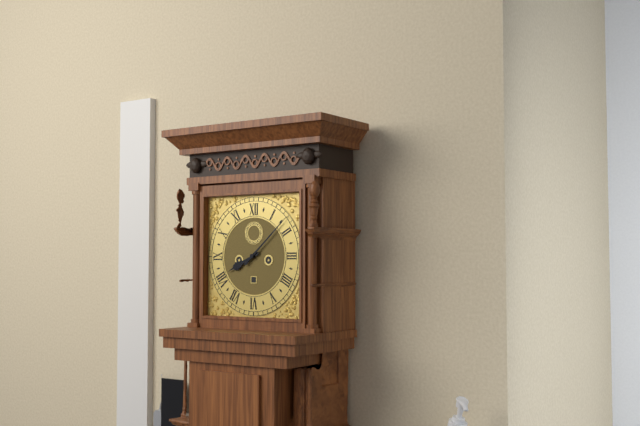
8.08
